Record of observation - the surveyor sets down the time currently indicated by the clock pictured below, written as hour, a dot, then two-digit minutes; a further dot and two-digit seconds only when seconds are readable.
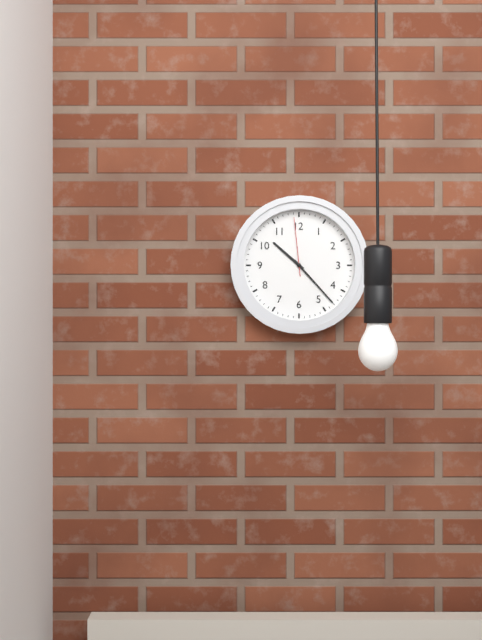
10.23.59
